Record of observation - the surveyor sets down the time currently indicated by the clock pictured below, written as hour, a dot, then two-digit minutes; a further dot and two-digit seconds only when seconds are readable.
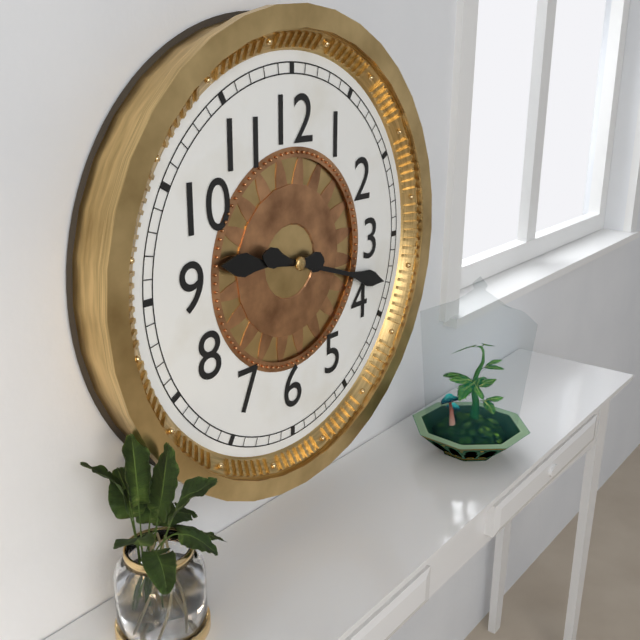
9.18
